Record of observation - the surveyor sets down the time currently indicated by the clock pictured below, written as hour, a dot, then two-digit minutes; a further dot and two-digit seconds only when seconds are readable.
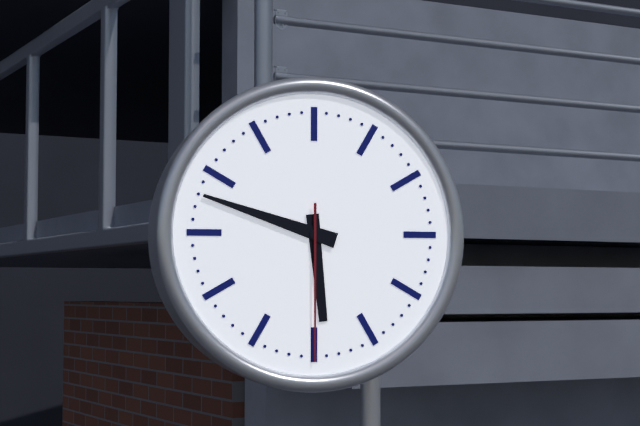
5.48.30
